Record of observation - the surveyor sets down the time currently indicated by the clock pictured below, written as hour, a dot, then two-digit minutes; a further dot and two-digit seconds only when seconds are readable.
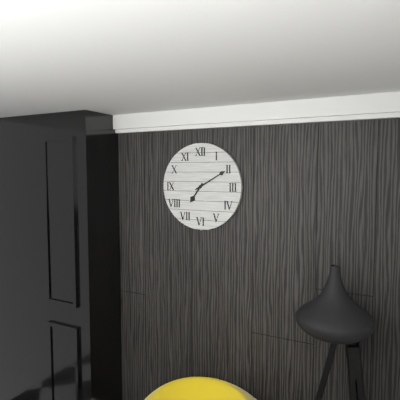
7.10
